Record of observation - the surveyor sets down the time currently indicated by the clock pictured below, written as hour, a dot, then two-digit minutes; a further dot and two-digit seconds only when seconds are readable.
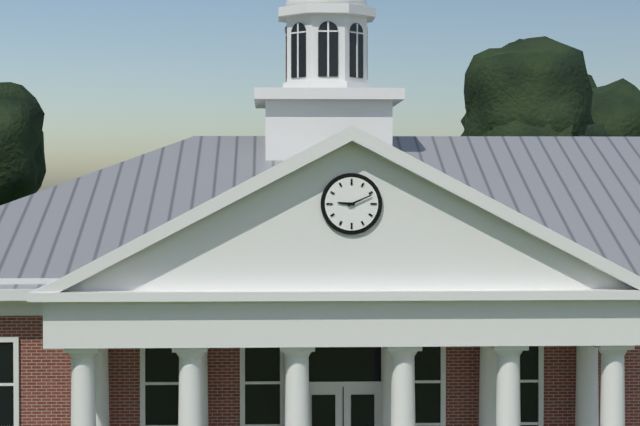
9.11
